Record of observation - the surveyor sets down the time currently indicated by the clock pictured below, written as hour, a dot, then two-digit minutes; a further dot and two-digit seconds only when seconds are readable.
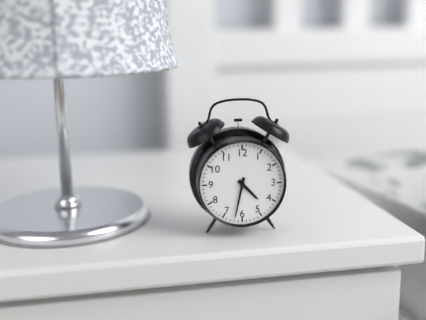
4.32
